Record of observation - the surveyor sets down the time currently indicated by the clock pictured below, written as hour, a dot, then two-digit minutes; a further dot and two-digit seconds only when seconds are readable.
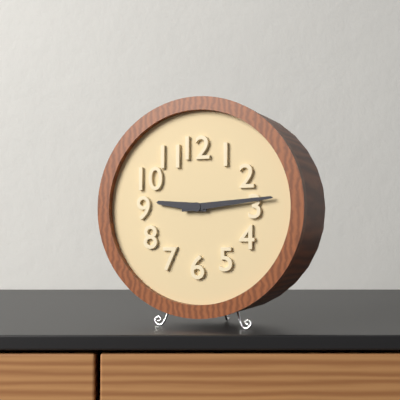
9.14
